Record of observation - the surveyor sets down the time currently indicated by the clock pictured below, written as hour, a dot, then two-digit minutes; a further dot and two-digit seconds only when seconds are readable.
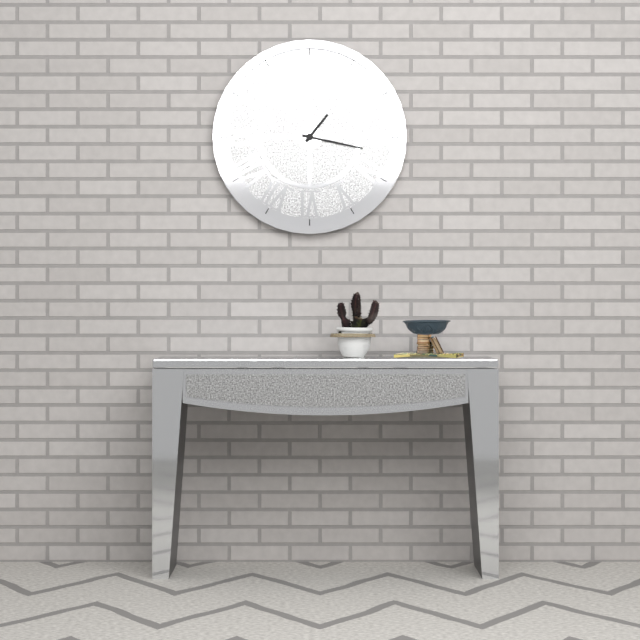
1.17
